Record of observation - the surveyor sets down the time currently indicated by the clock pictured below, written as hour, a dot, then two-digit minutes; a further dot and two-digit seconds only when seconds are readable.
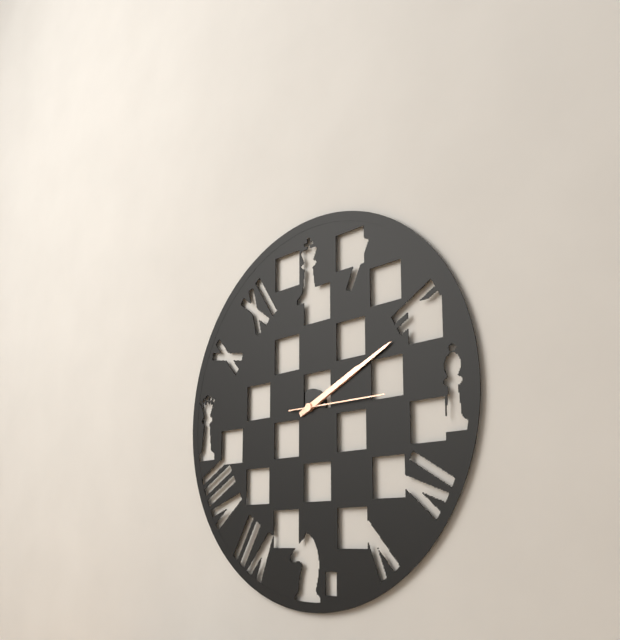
2.11.15
